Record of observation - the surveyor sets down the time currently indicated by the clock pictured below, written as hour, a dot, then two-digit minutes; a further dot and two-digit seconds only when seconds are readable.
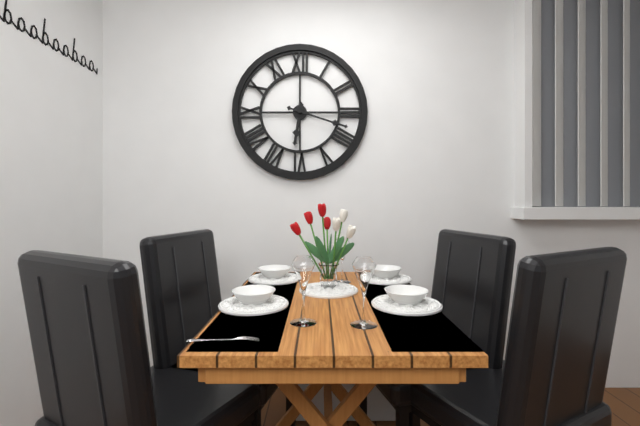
6.18
